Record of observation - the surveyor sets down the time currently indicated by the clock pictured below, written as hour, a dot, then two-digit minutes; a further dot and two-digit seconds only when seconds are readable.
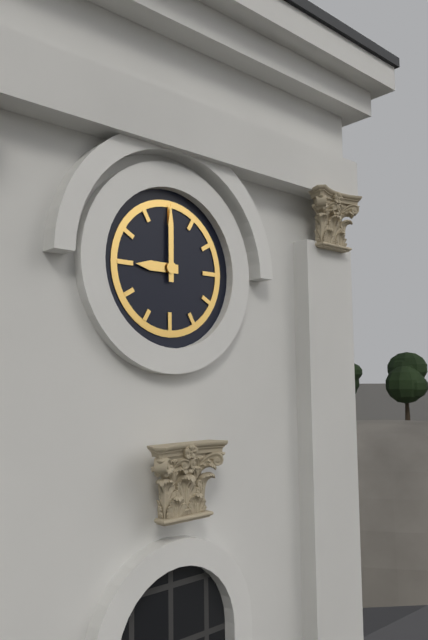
9.00
